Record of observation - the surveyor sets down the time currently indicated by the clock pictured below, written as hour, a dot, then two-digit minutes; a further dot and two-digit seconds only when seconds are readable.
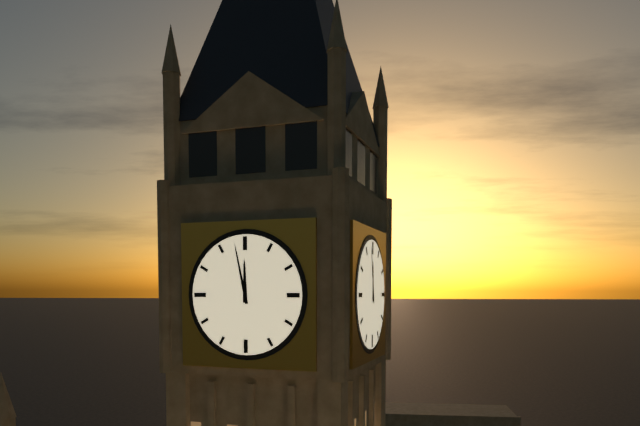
11.58
